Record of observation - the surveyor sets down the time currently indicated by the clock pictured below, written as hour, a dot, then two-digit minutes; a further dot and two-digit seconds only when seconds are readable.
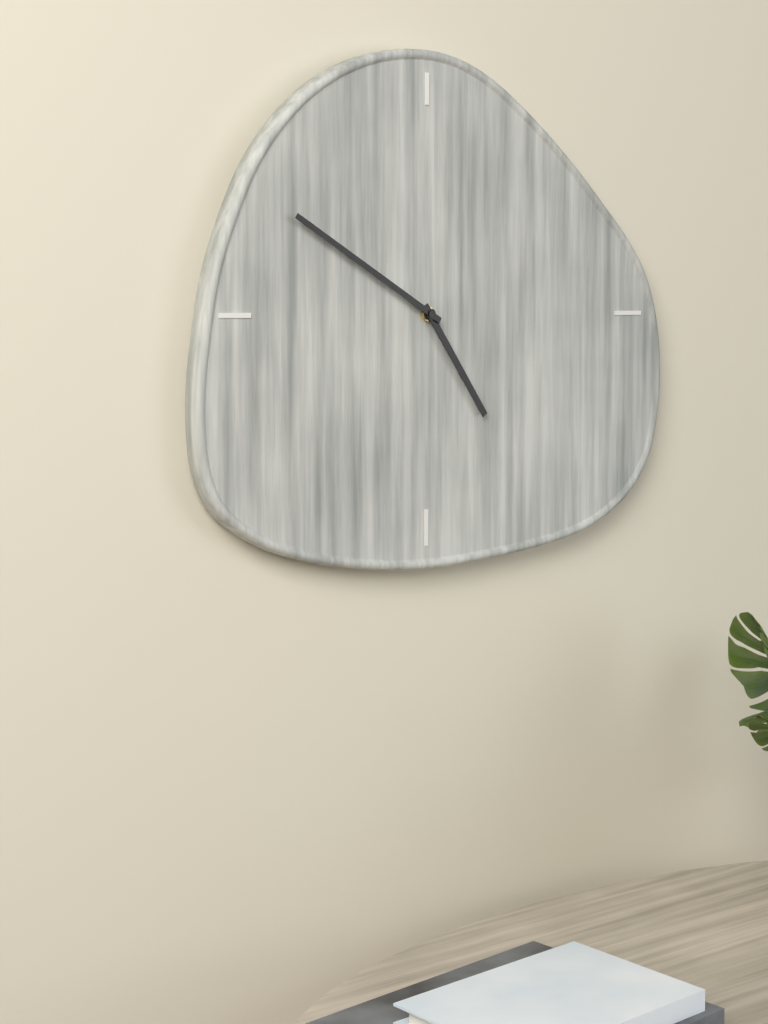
4.50
